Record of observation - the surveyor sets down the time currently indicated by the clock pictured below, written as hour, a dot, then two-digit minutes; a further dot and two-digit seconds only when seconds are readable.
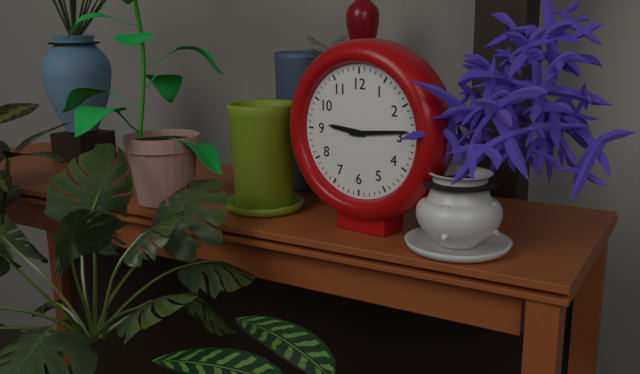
9.14
